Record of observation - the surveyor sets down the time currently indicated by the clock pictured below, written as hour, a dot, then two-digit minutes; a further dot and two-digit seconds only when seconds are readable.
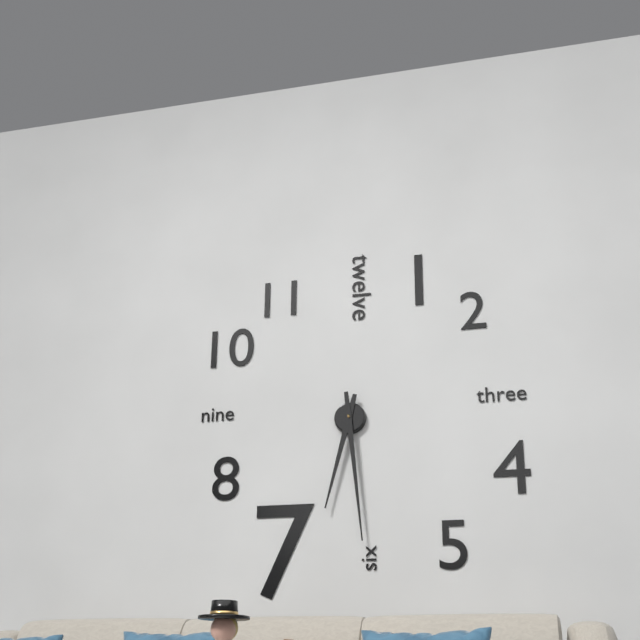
6.29
